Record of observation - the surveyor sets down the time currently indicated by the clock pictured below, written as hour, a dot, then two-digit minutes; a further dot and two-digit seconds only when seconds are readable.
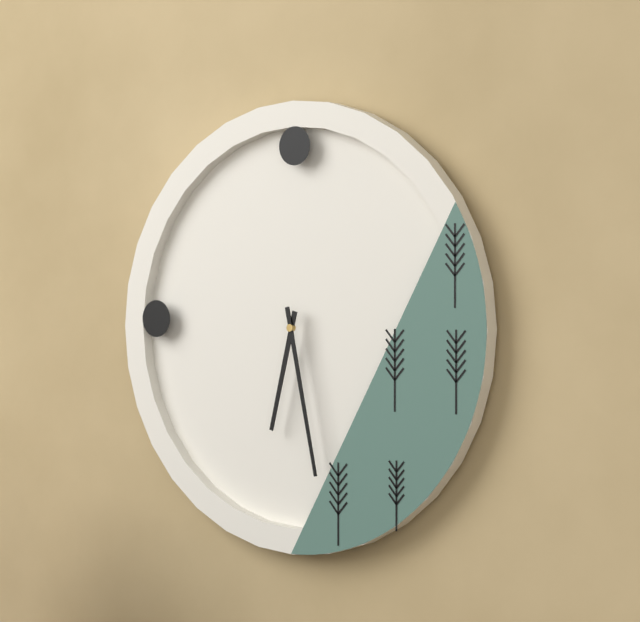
6.28
